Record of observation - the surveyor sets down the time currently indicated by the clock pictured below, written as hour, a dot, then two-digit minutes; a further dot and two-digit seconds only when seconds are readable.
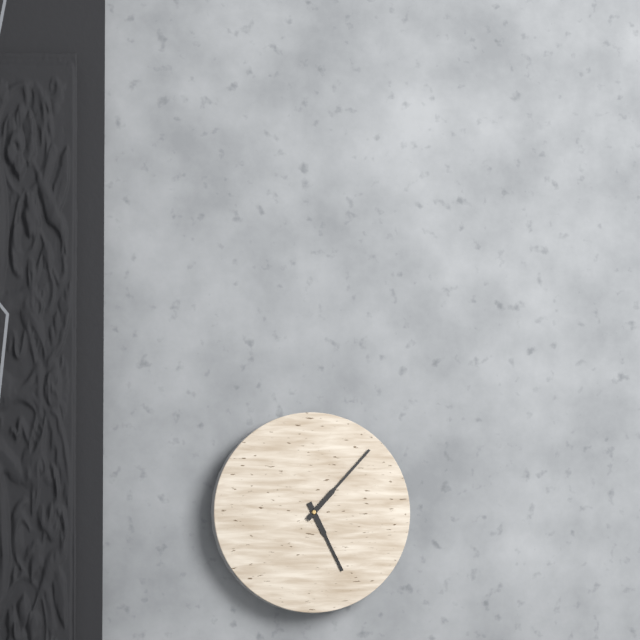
5.07
